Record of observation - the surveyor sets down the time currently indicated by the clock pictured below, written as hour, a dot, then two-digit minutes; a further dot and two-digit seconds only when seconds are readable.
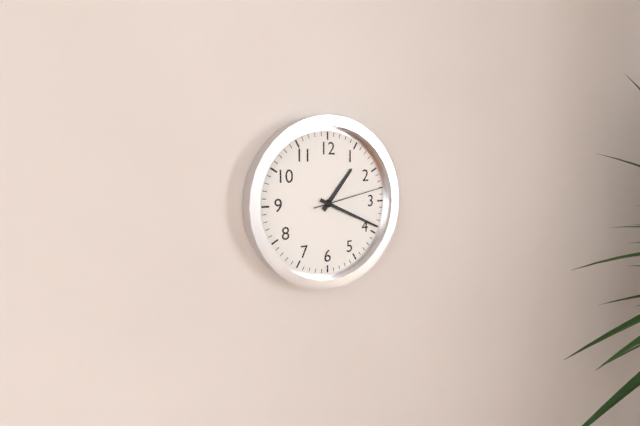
1.19.13
